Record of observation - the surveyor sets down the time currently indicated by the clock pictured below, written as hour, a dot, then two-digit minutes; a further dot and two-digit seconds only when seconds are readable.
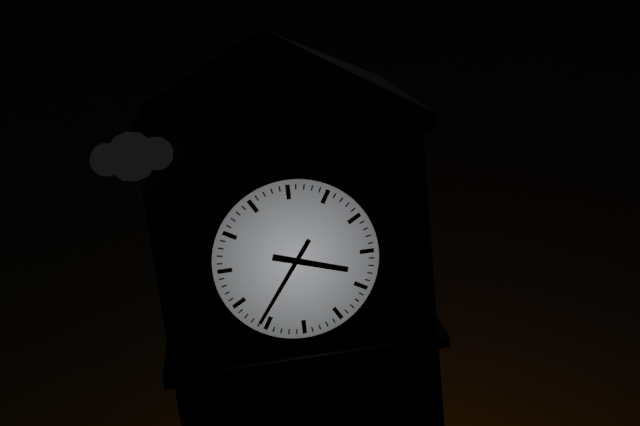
3.36
